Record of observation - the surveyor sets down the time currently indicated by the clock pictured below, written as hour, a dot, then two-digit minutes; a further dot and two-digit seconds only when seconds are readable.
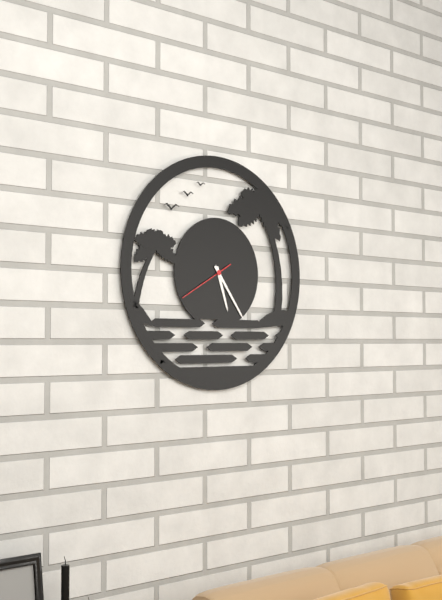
5.24.40
